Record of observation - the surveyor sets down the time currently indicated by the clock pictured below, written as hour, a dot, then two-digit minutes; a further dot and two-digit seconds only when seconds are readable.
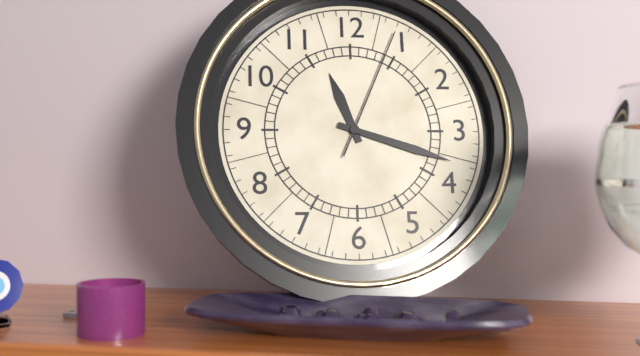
11.18.04
